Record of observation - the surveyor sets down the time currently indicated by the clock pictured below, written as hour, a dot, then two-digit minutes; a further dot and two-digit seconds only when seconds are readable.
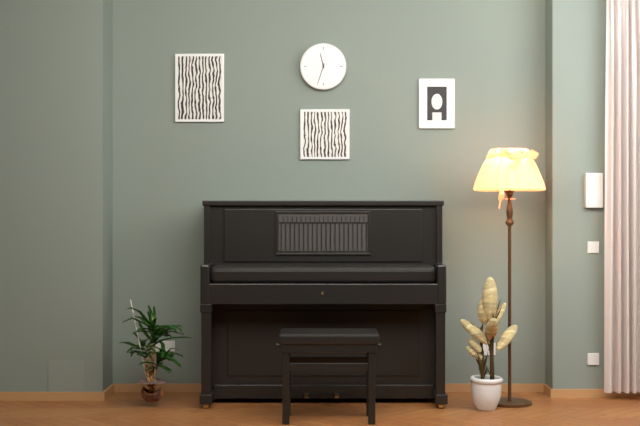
11.33
